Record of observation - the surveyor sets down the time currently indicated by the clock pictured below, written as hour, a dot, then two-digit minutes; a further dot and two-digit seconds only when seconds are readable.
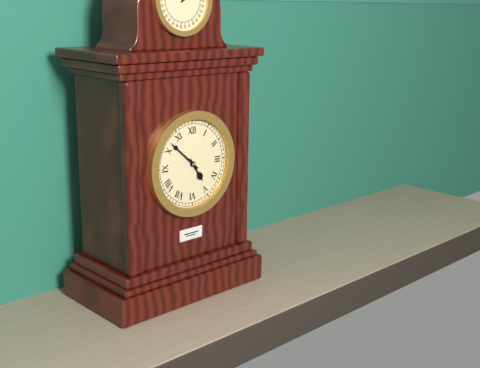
4.52
